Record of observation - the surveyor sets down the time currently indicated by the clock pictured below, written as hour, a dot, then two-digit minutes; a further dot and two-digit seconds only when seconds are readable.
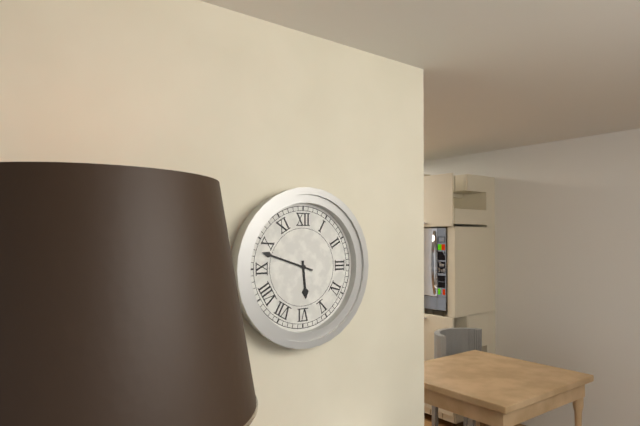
5.48
